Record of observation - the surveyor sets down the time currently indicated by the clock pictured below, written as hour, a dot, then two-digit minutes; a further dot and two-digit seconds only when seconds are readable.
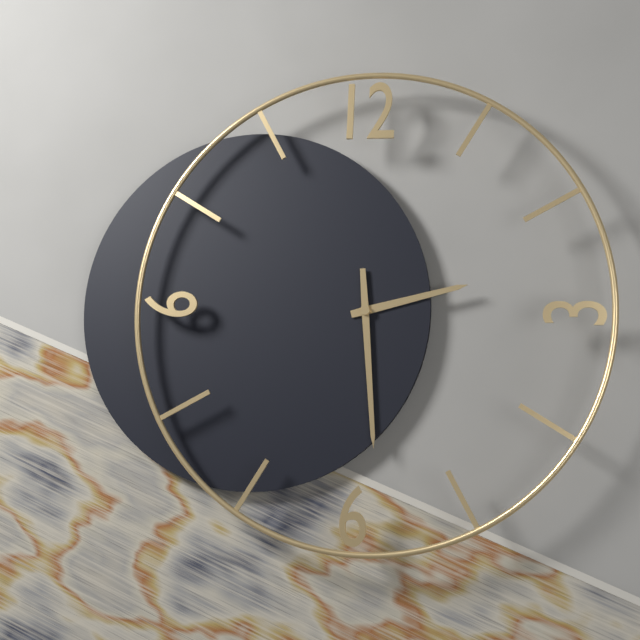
2.29
